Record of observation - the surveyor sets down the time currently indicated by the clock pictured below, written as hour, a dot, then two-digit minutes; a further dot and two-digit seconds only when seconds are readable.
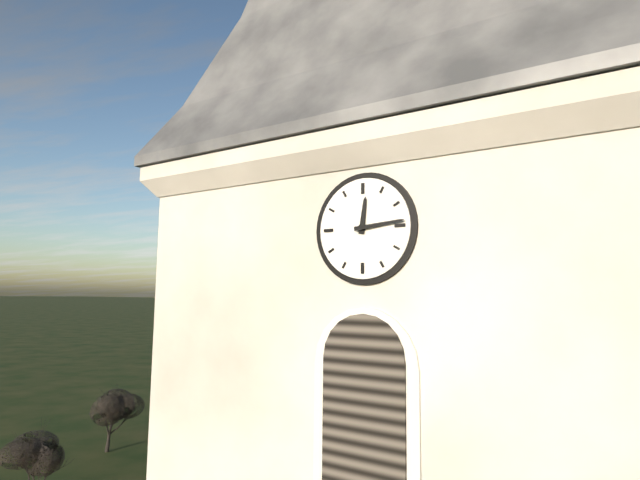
12.14
